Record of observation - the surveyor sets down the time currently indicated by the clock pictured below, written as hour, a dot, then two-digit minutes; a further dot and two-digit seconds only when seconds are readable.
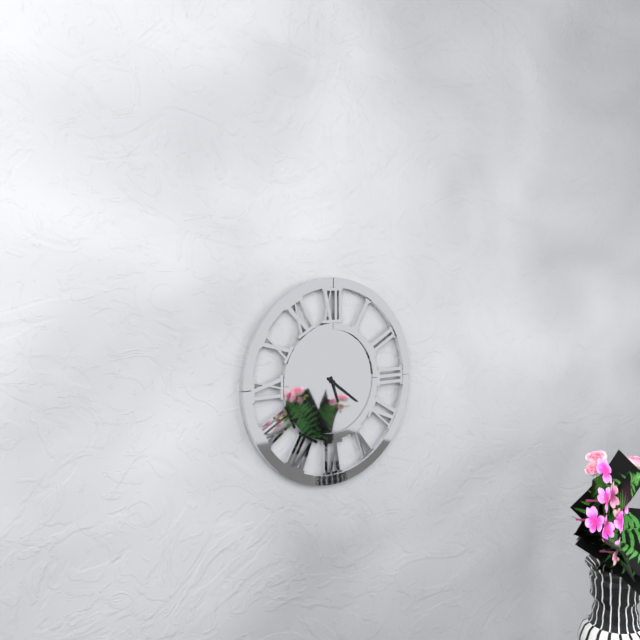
5.21
